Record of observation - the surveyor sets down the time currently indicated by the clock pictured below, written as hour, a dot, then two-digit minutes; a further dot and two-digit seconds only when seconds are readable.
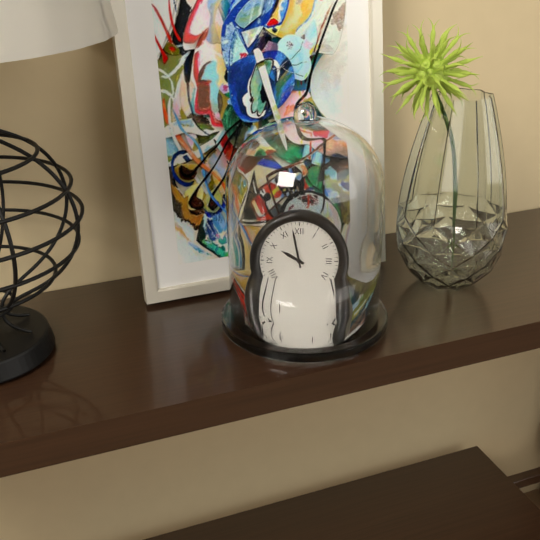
9.58
